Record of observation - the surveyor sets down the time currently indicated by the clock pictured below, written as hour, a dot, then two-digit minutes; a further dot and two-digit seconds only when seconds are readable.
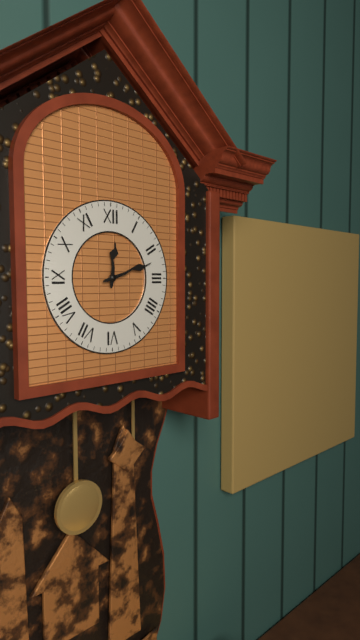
12.12
